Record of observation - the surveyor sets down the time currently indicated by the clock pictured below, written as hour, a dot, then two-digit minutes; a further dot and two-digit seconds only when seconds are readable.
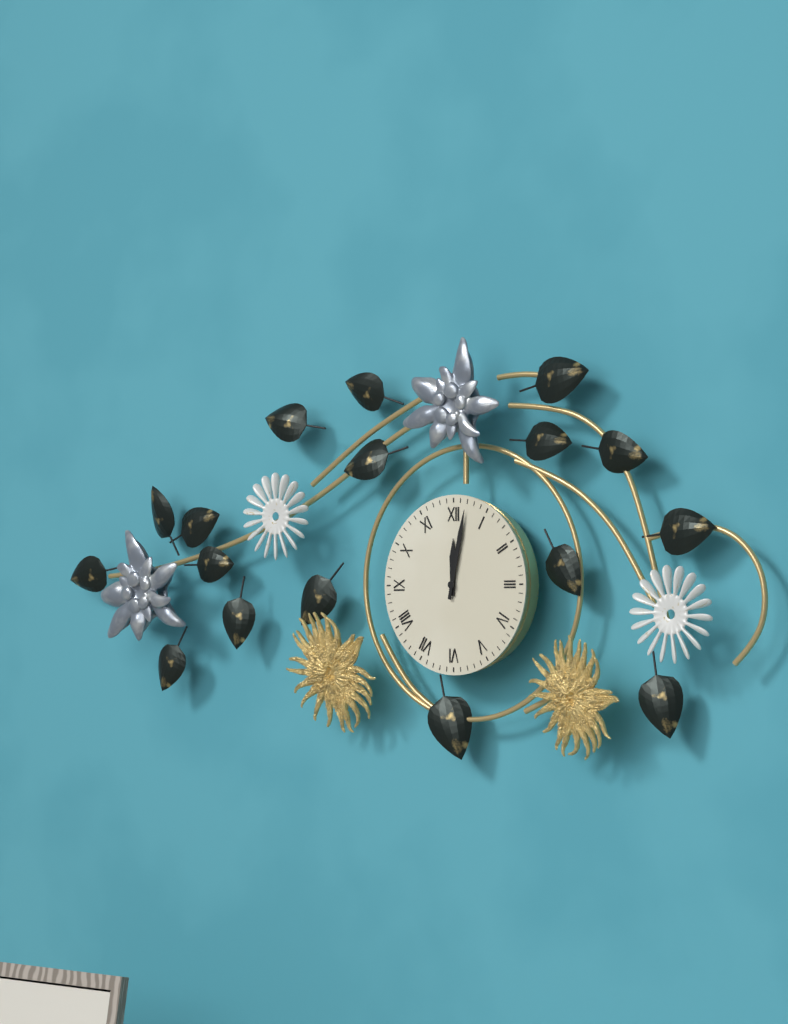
12.02
